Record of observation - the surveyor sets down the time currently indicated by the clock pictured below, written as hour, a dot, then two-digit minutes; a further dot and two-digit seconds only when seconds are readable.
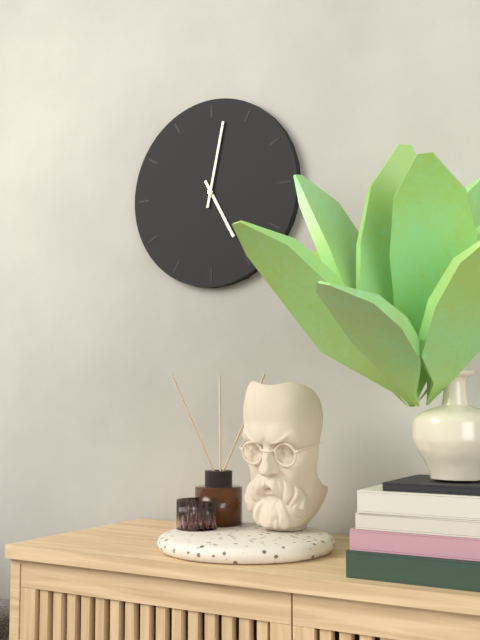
5.02
